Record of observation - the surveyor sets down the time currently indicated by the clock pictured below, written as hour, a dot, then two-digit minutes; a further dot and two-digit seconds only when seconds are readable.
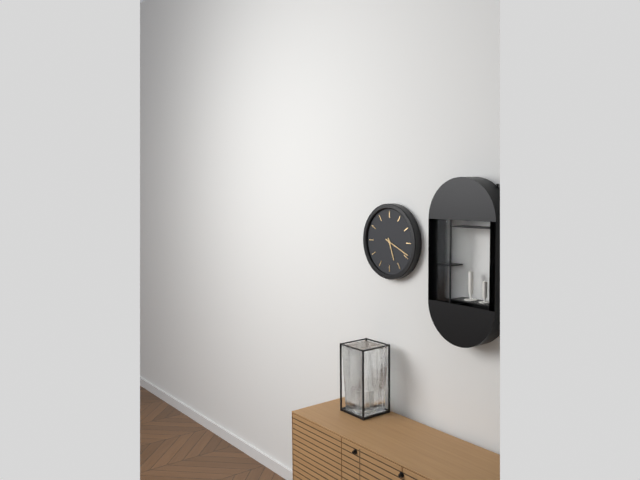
5.19
